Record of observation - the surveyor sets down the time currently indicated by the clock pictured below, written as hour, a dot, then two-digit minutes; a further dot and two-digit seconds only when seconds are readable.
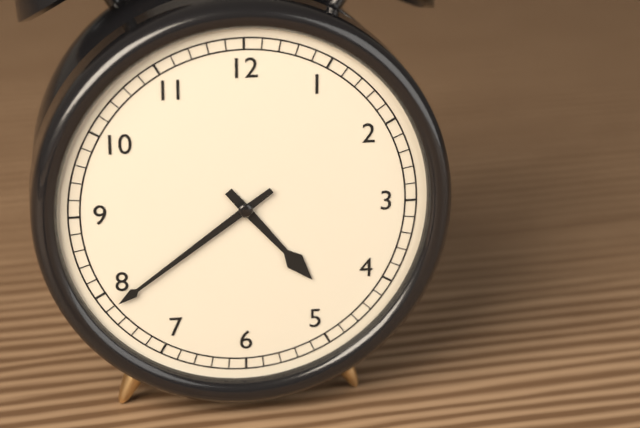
4.39
